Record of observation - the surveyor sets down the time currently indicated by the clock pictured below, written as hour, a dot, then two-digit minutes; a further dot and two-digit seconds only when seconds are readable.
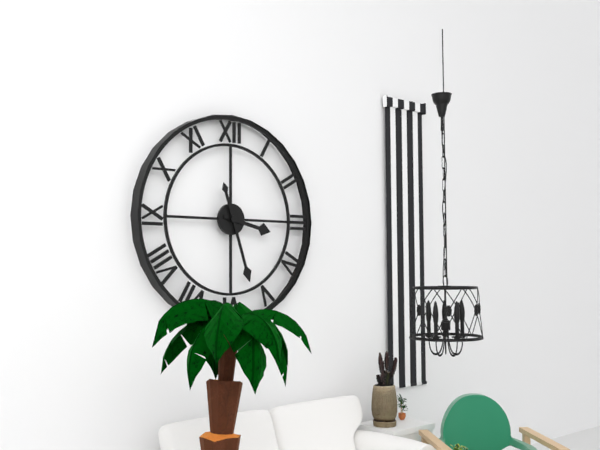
3.27
